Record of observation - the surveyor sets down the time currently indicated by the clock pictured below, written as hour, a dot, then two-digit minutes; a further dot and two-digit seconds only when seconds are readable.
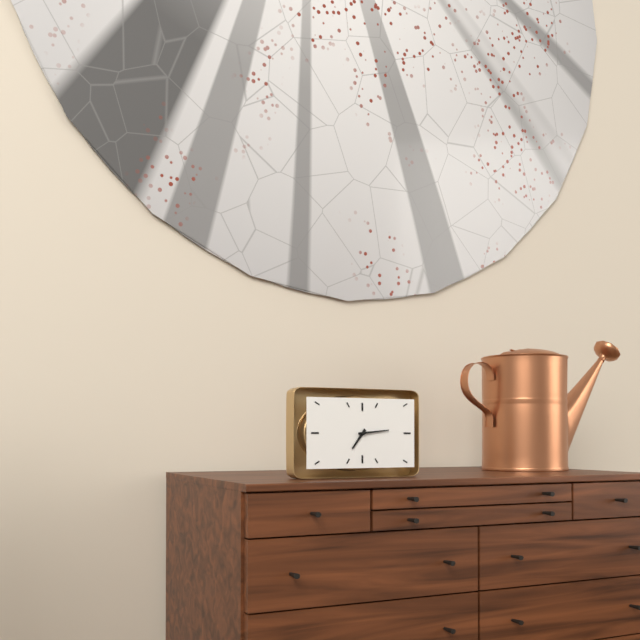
7.14
